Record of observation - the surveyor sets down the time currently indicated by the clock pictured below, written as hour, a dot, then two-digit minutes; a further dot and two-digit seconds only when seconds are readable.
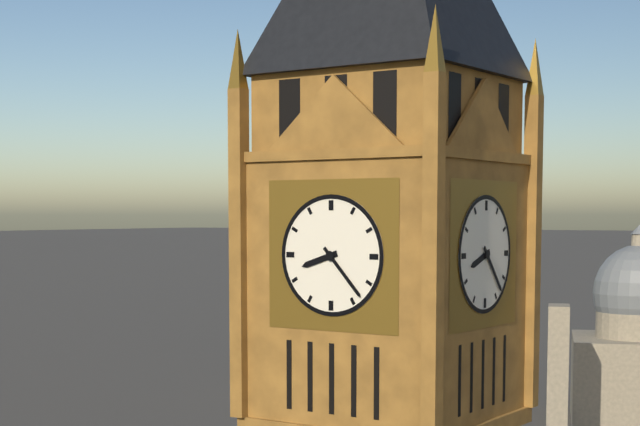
8.23
